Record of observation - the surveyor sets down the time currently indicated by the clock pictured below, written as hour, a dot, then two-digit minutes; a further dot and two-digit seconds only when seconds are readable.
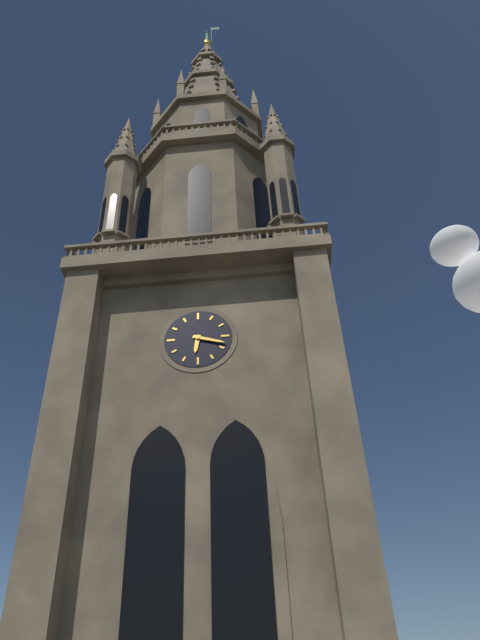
6.18
